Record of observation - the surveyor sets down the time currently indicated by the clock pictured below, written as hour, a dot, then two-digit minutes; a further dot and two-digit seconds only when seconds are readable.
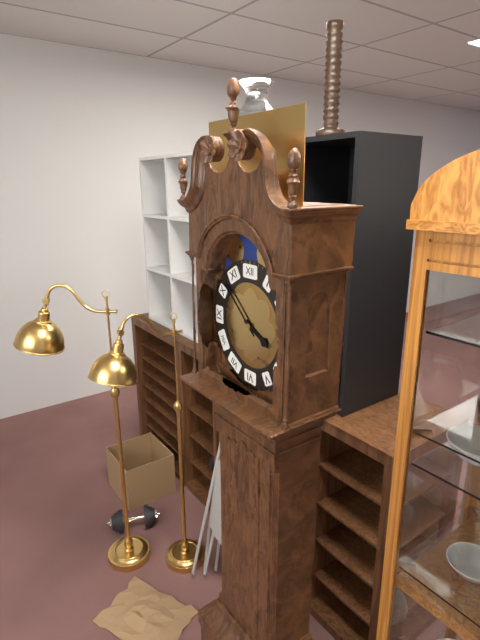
3.52
